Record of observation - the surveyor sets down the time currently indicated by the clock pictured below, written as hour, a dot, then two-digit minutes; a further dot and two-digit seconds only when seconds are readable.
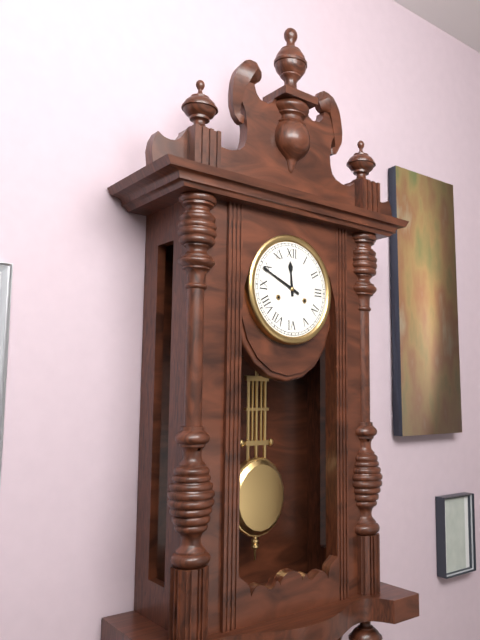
11.49
